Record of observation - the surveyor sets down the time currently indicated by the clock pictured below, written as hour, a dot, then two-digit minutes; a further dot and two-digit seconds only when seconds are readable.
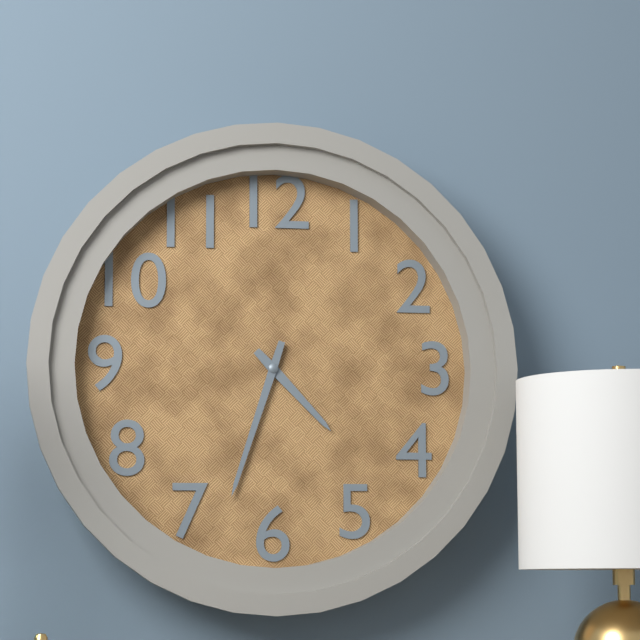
4.33
